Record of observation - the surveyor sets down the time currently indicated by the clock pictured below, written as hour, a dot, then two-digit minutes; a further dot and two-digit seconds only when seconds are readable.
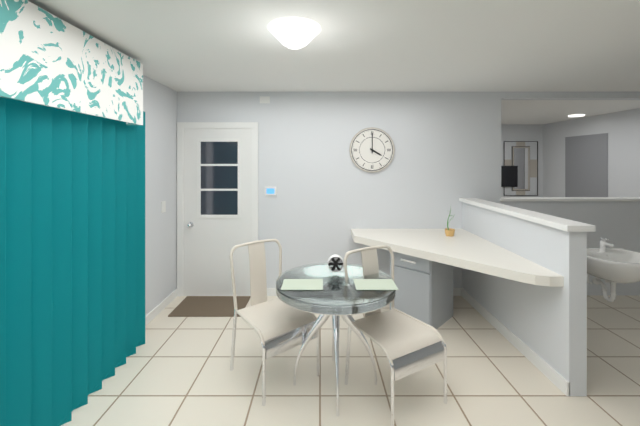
4.00
